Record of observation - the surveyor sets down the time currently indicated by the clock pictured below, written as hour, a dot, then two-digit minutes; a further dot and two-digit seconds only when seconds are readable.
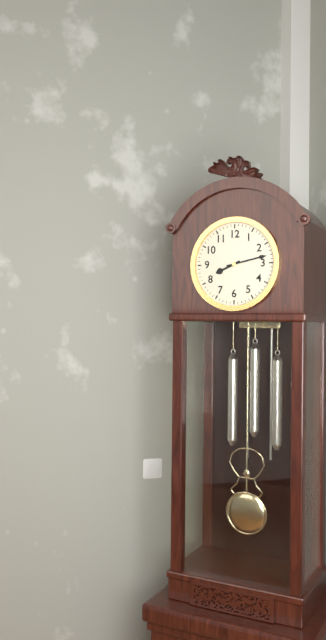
8.13
